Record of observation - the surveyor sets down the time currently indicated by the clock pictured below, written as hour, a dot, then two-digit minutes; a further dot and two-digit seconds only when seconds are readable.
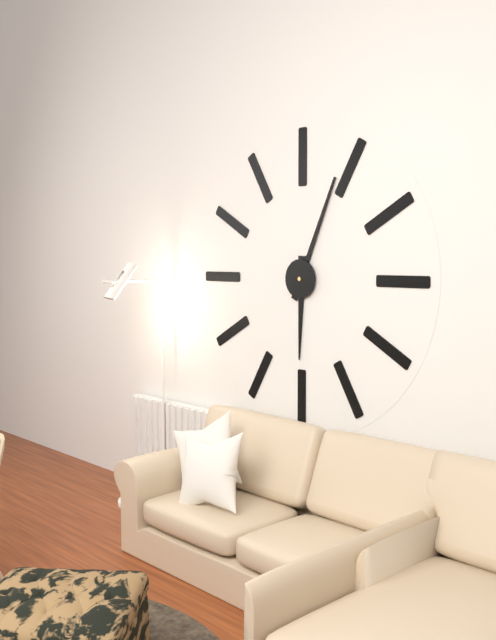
6.04
